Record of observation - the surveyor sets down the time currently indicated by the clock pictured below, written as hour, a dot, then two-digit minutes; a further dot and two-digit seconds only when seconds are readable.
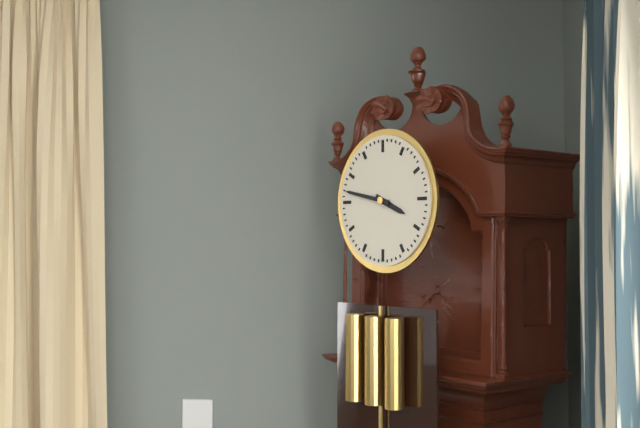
3.47
